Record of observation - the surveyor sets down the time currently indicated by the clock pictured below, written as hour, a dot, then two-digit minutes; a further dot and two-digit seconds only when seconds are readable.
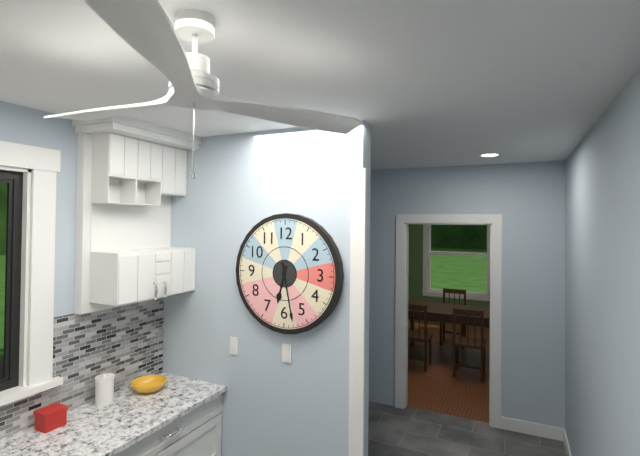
6.28
